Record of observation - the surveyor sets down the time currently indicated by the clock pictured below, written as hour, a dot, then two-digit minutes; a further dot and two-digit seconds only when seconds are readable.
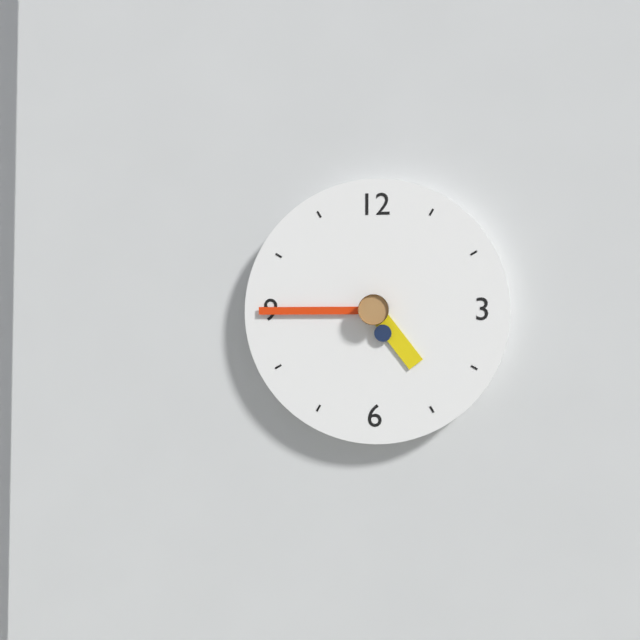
4.45
